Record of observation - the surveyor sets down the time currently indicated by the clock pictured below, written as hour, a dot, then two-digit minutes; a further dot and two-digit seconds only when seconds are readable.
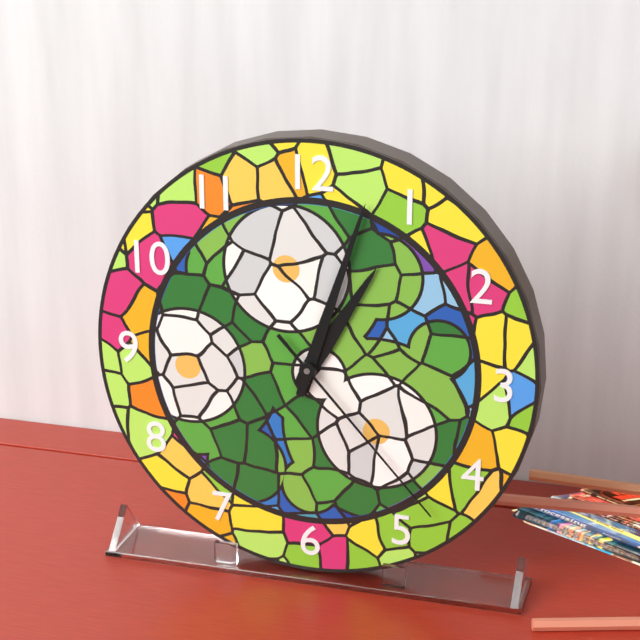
1.03.23
